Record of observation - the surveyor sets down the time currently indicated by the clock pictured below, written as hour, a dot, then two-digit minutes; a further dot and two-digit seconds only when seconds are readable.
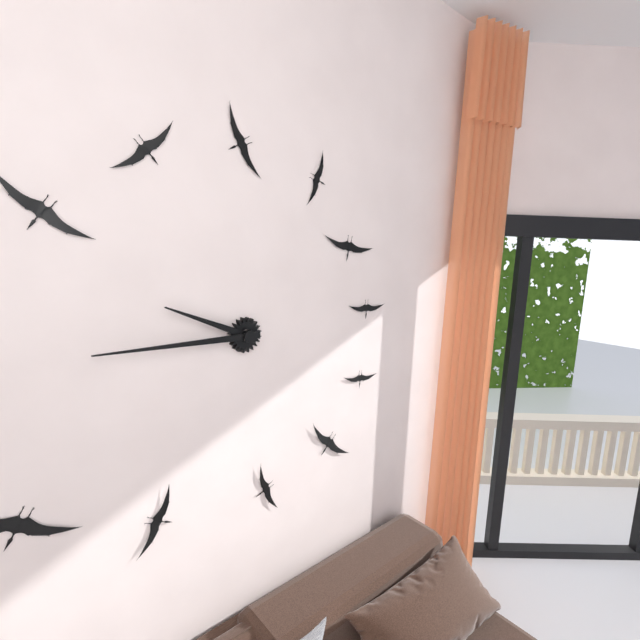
9.45
